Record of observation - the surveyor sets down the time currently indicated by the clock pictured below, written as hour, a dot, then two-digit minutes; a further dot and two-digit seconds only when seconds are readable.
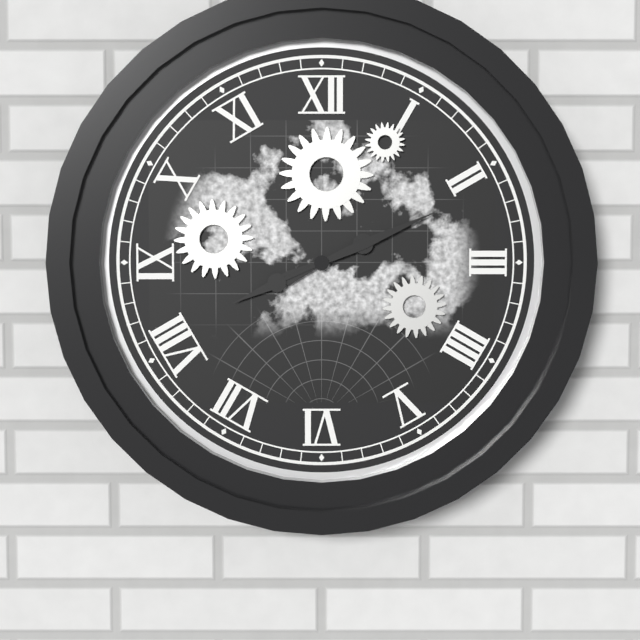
8.11
